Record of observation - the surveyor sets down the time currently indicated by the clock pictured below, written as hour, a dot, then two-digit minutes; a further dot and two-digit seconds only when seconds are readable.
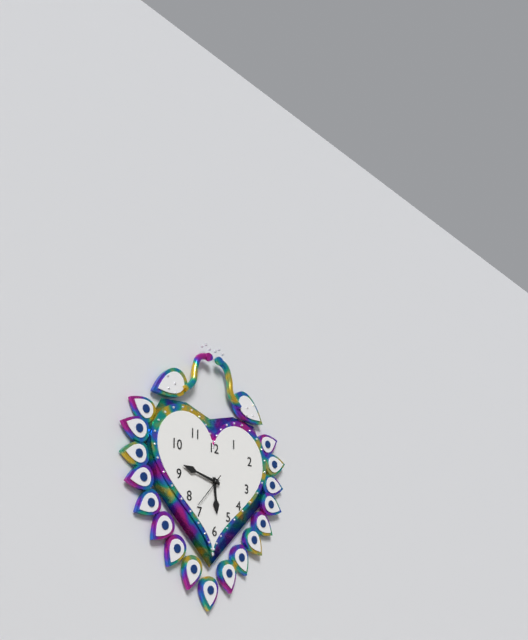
5.47
